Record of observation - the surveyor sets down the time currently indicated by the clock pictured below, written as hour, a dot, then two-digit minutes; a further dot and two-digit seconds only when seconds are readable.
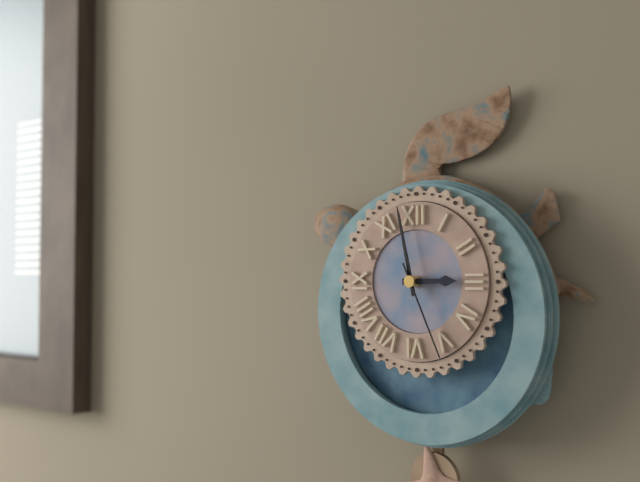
2.58.26
